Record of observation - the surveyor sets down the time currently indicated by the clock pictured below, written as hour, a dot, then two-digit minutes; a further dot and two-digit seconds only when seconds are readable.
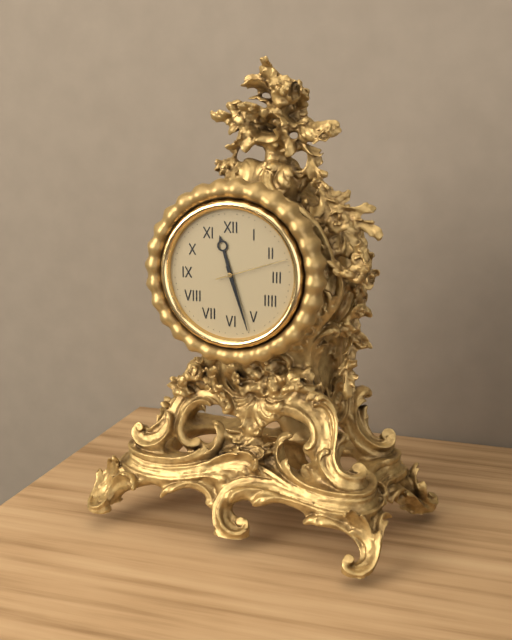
11.27.12
